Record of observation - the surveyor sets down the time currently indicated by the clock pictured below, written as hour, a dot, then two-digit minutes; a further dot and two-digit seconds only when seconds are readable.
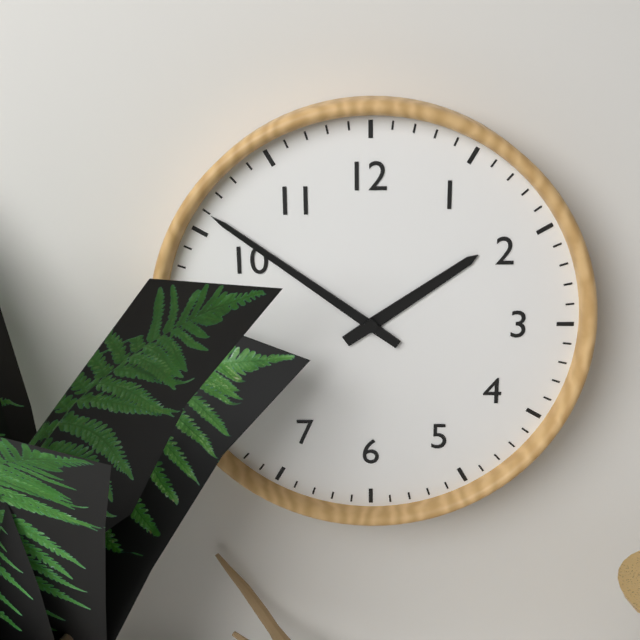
1.51
